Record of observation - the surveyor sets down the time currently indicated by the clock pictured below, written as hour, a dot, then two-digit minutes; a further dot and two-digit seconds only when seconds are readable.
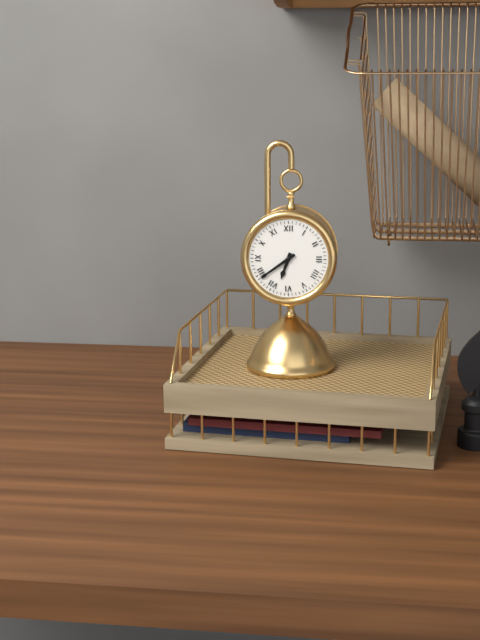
6.39
